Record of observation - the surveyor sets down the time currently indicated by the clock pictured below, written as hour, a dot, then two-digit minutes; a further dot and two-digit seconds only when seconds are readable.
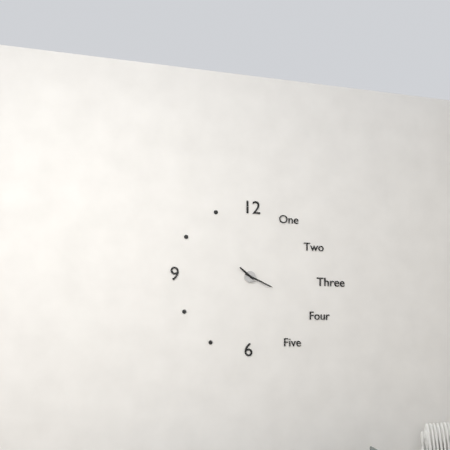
10.19
